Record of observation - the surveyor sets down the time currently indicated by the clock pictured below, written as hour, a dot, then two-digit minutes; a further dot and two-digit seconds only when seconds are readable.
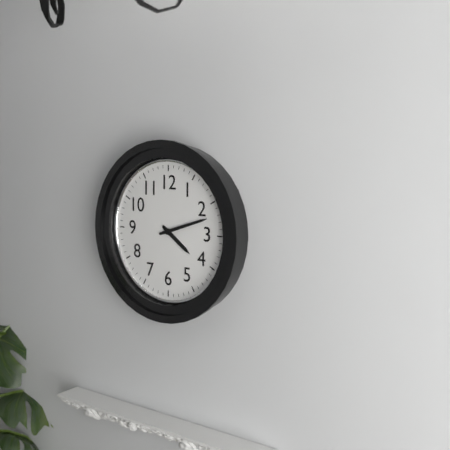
4.12
